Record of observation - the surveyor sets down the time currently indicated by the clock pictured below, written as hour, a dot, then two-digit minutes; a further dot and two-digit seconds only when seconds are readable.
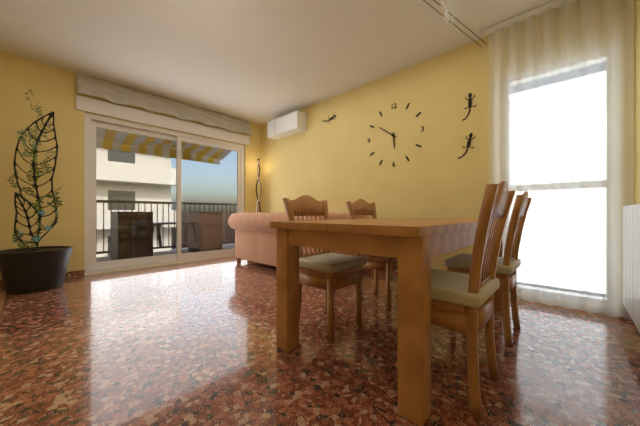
5.51
